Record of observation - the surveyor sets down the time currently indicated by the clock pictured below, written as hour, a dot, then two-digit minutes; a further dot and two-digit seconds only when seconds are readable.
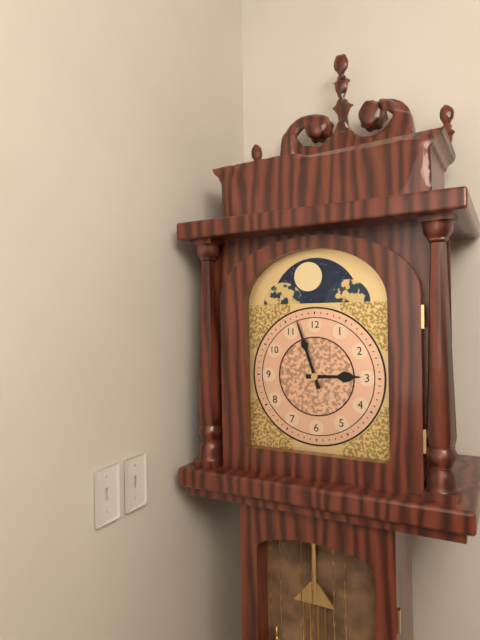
2.57
